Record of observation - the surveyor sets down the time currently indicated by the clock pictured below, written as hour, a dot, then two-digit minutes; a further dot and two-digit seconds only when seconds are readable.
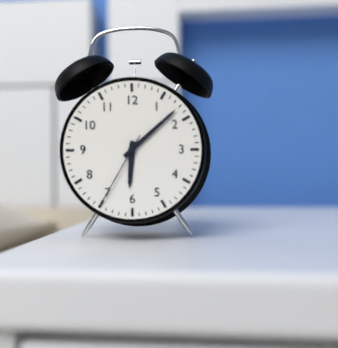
6.08.35
